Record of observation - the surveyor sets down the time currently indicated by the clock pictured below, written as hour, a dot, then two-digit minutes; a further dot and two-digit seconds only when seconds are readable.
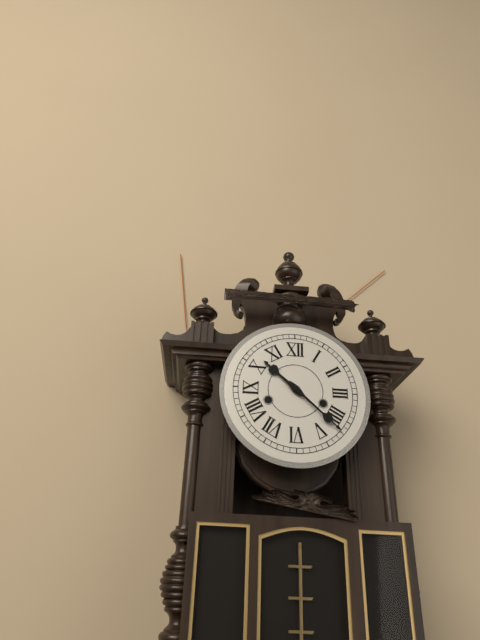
10.22
